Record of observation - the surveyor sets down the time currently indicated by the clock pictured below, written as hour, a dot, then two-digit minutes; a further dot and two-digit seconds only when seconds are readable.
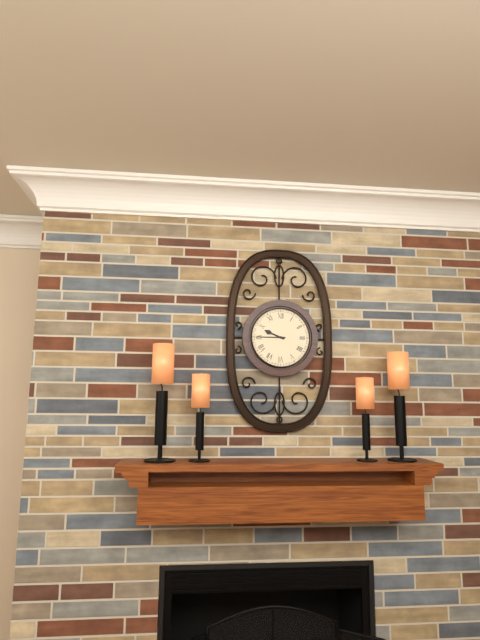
9.45
